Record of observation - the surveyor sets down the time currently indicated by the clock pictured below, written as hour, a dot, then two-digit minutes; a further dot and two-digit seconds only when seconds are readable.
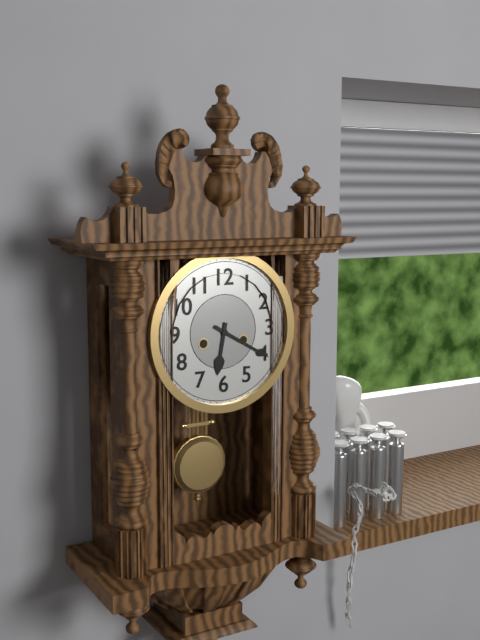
6.20
